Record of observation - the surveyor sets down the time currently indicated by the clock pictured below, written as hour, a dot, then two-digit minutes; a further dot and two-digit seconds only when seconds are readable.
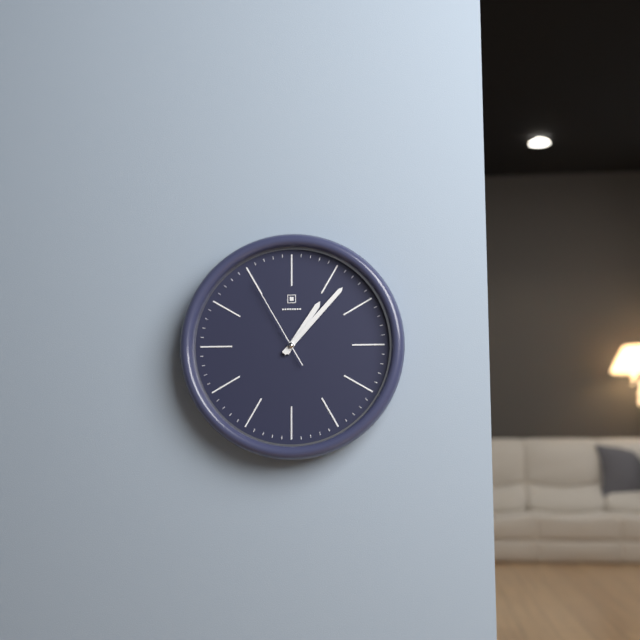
1.07.55
